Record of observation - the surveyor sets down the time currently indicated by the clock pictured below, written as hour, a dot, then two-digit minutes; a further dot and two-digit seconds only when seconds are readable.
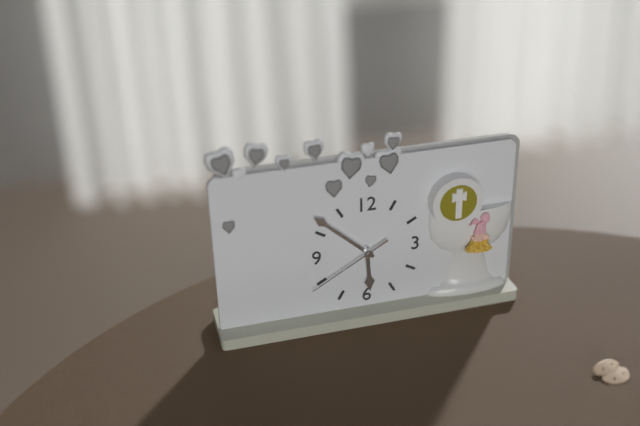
5.52.40
